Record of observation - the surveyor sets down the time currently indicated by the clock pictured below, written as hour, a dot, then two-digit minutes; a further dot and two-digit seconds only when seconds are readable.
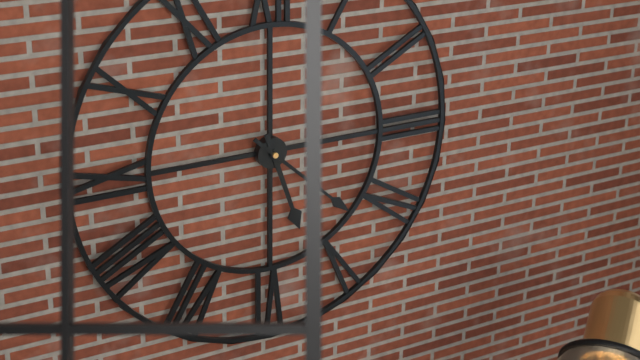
5.22
